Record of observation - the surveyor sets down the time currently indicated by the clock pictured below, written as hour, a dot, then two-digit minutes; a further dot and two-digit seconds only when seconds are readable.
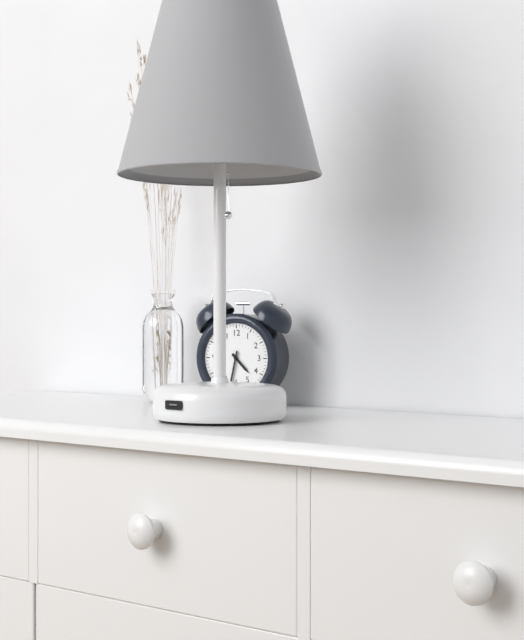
4.32
